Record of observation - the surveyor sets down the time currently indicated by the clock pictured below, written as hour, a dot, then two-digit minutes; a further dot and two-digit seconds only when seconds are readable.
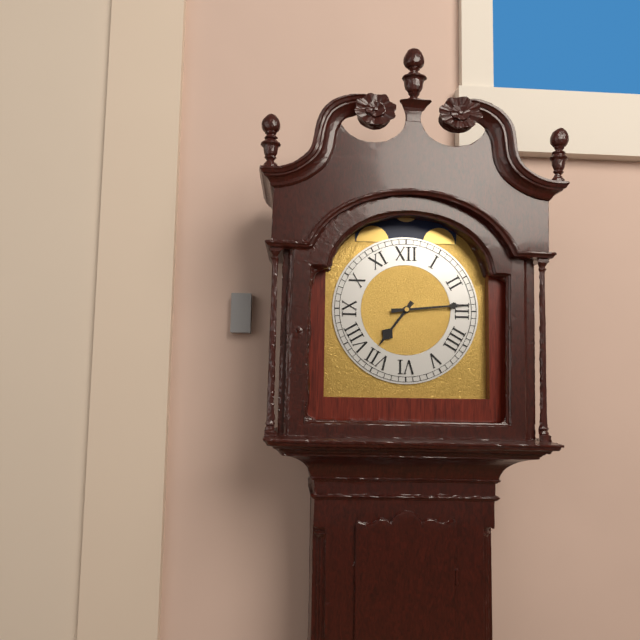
7.14
